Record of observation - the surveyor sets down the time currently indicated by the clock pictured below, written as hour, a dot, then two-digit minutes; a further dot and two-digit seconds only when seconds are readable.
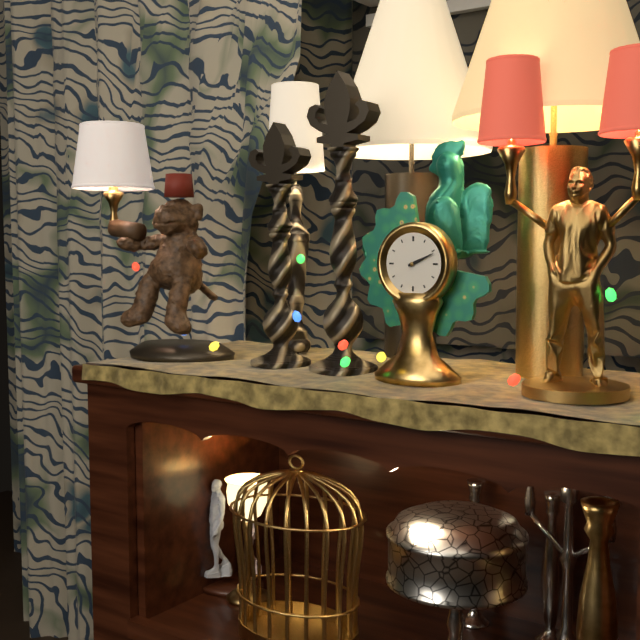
2.11
